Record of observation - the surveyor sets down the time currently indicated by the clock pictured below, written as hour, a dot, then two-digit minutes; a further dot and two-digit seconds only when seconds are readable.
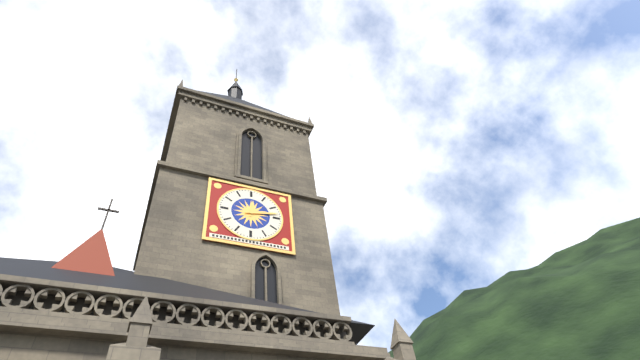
12.13
